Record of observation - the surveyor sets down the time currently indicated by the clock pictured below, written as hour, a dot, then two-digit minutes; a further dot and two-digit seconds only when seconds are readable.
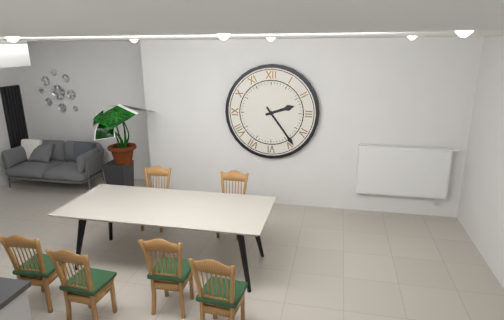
2.24
